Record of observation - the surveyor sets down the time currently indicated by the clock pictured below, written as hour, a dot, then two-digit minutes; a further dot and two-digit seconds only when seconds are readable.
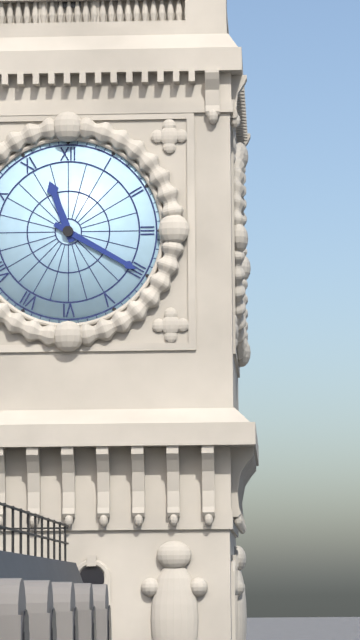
11.20
